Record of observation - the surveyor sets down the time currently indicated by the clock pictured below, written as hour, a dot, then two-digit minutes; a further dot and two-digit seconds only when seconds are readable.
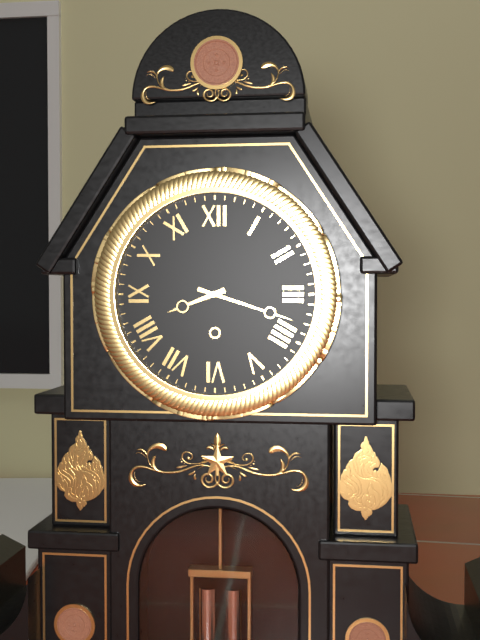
8.18
